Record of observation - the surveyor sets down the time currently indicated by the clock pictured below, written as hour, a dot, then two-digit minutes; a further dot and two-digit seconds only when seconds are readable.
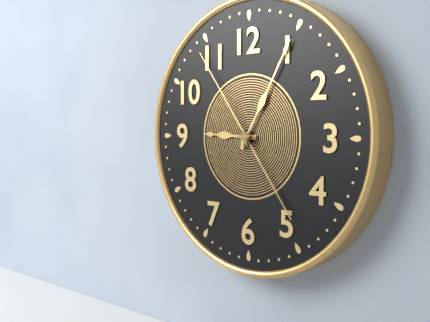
9.05.54
